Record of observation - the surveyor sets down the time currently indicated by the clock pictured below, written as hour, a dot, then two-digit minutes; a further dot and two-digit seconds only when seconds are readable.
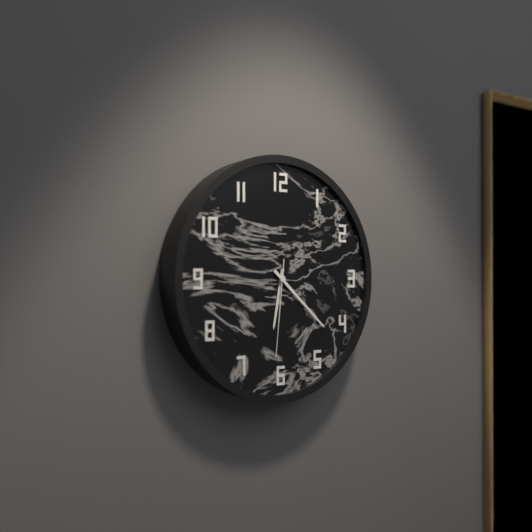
6.22.31
